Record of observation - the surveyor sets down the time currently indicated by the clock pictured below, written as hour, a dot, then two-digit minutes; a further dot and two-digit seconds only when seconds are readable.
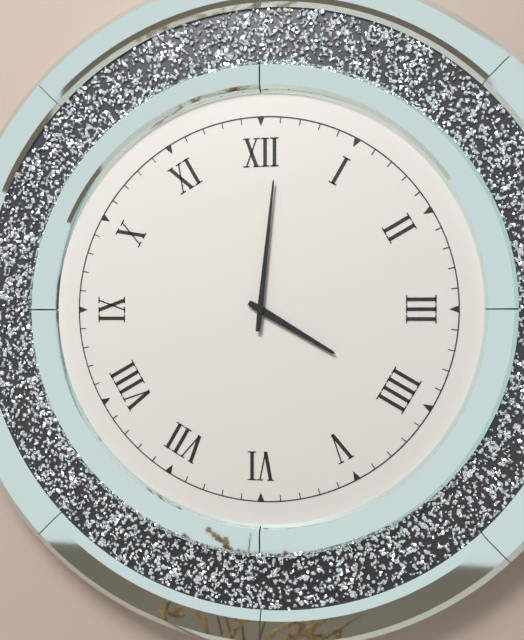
4.01
